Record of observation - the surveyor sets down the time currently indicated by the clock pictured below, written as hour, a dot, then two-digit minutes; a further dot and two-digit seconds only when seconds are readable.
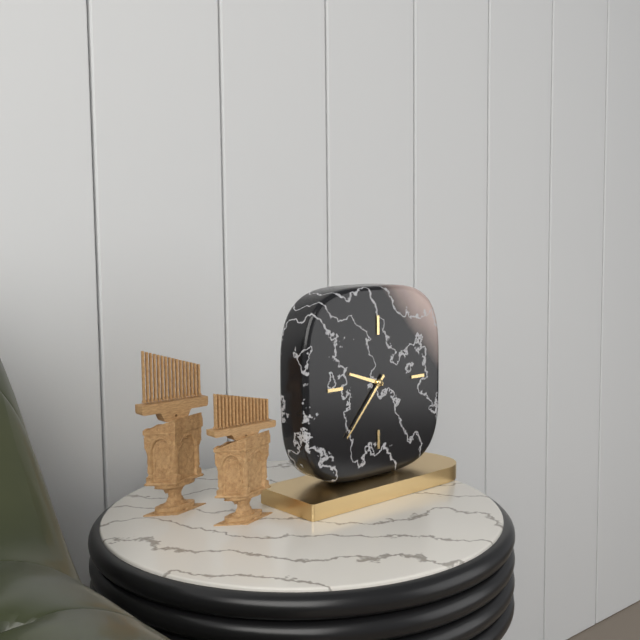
9.37
